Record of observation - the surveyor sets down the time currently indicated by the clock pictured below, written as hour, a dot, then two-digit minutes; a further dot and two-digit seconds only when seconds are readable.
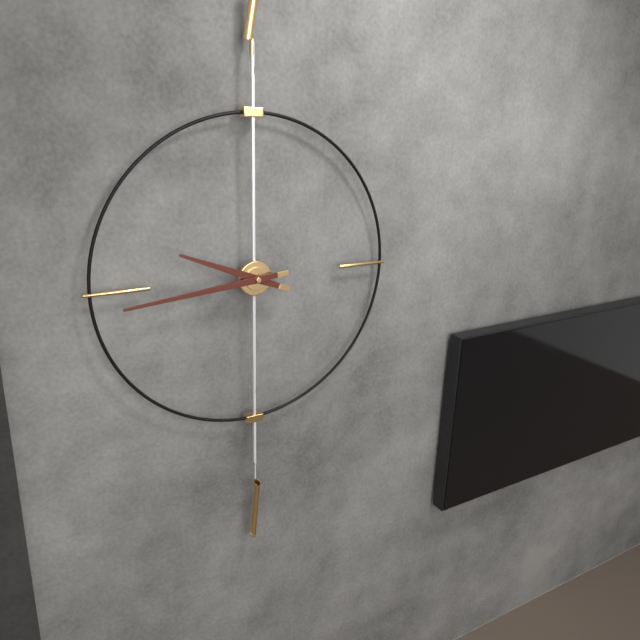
9.44
